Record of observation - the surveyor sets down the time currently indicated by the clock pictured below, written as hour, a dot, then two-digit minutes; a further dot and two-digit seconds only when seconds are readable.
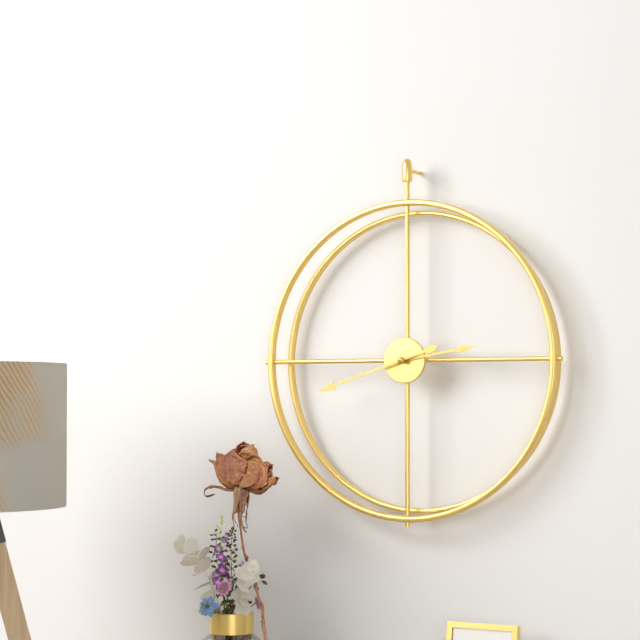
2.42
